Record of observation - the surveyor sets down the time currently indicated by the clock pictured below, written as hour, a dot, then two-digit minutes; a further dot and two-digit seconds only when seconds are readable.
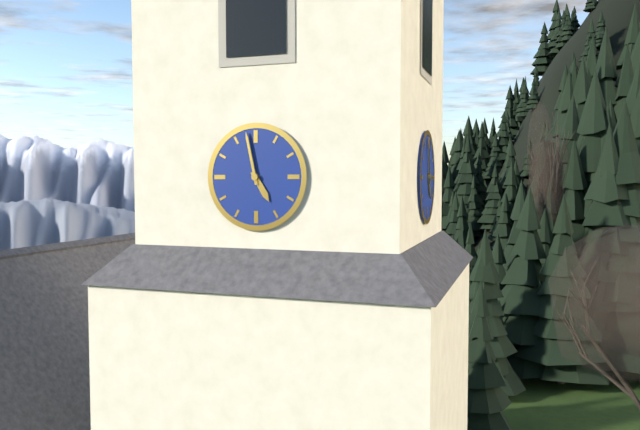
4.58
